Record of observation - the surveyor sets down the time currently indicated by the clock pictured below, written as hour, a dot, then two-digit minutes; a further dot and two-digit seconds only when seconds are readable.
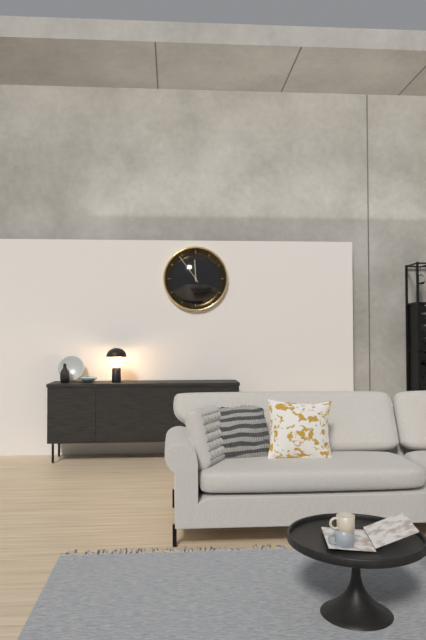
11.54
